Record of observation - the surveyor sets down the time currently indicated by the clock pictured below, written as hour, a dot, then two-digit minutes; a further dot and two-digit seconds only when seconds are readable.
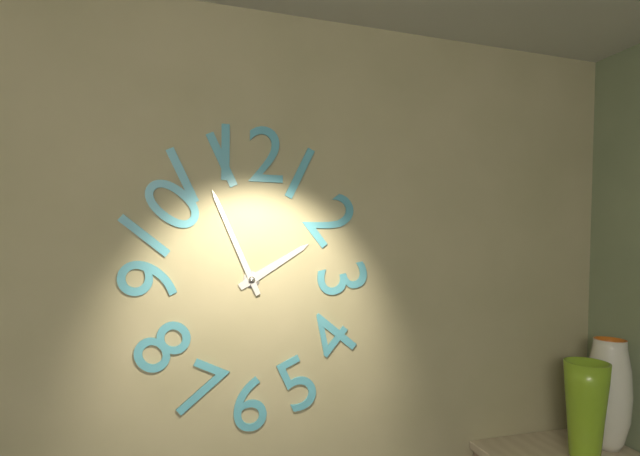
1.56
